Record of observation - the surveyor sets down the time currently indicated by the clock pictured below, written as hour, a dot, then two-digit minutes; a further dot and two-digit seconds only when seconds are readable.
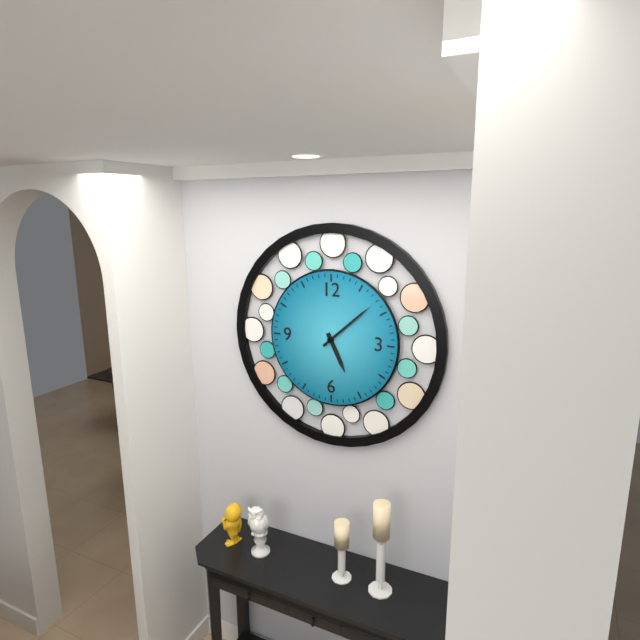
5.08
